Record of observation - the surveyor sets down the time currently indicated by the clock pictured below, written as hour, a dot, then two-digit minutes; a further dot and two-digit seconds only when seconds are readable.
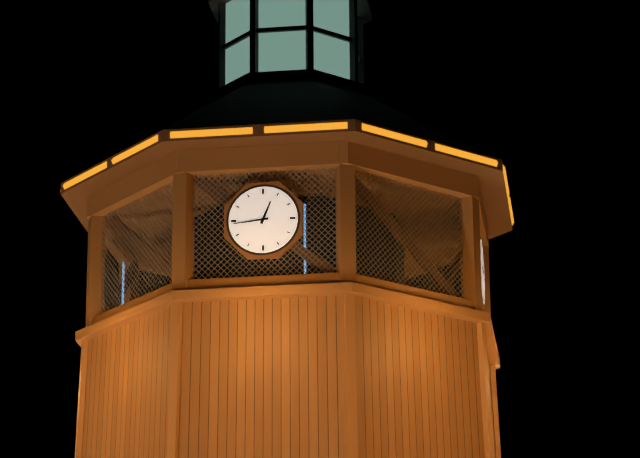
12.44
